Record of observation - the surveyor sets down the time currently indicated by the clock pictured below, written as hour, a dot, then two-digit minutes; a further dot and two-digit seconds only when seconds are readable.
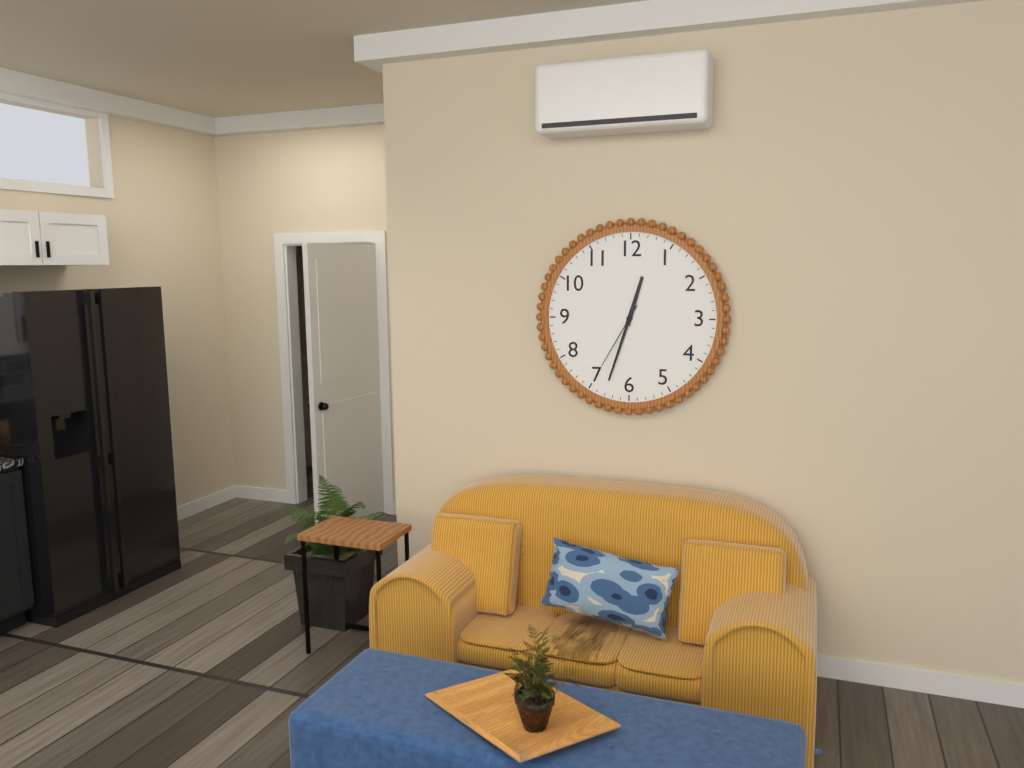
12.33.35
